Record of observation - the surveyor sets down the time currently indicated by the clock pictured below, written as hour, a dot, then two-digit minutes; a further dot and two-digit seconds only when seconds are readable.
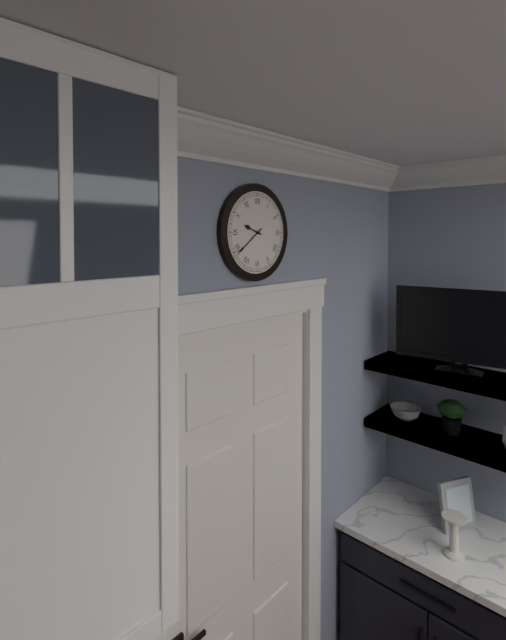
9.39
